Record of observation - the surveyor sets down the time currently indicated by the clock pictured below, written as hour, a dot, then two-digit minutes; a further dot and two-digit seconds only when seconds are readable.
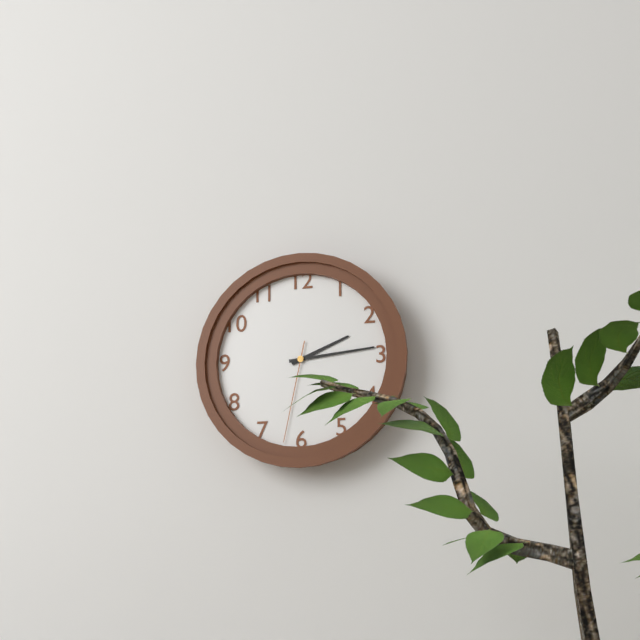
2.14.32
